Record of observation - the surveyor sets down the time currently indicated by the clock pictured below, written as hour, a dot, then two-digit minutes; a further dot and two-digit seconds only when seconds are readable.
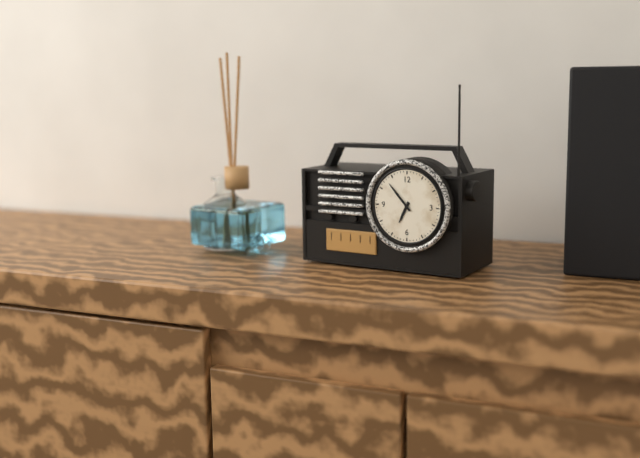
6.53
